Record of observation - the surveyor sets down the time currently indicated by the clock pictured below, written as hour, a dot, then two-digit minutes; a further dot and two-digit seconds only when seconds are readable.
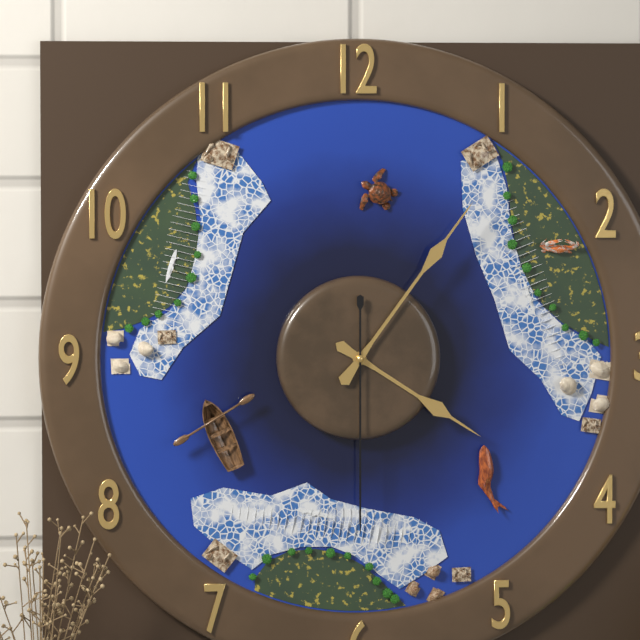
4.06.30
